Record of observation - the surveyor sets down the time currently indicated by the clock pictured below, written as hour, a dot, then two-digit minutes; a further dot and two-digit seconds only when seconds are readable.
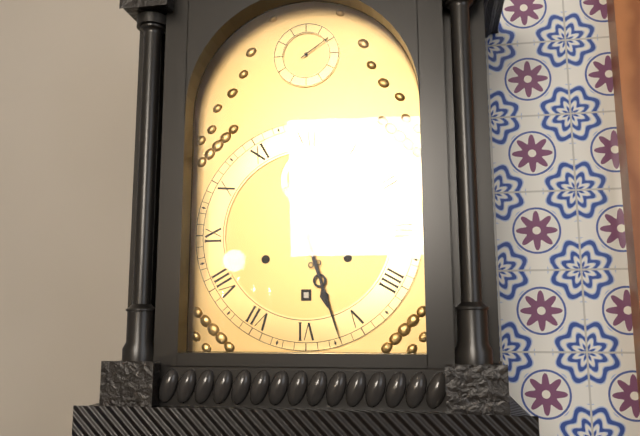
5.27
